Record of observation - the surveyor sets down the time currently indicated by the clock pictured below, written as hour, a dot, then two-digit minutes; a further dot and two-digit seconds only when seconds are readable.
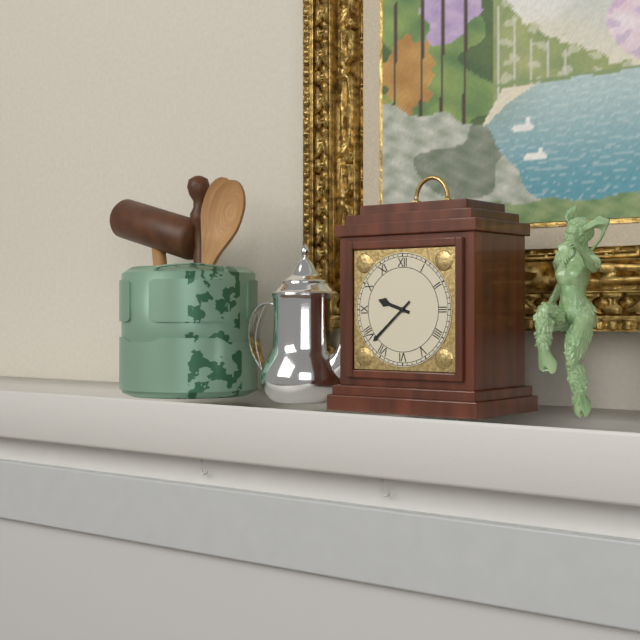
9.38
